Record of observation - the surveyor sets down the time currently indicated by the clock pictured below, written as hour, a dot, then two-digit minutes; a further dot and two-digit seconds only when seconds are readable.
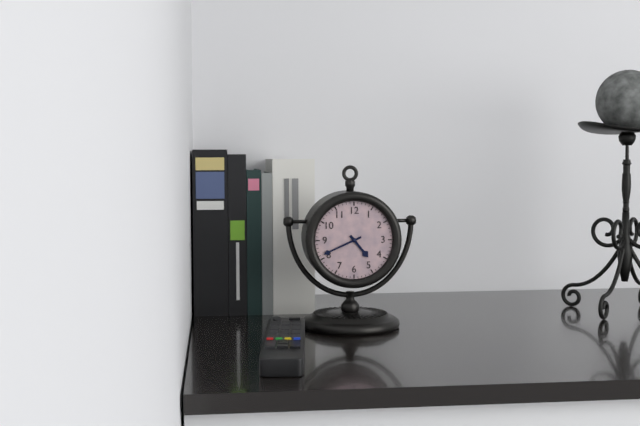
4.41
